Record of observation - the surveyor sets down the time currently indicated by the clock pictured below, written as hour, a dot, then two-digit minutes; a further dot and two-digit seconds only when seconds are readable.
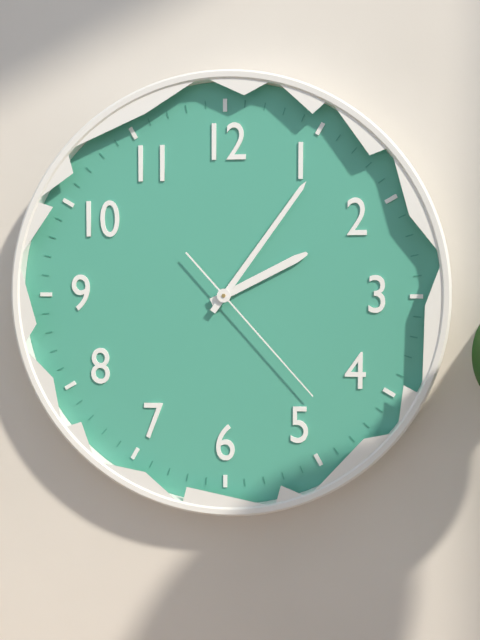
2.06.23
